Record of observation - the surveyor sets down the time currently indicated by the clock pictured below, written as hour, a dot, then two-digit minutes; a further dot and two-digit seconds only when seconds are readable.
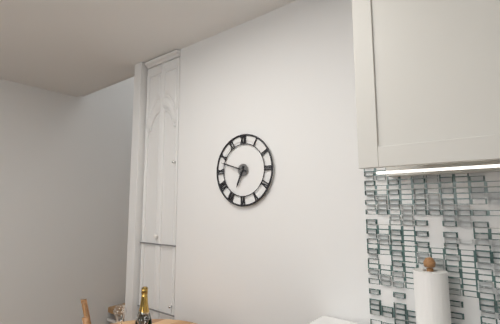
6.48
